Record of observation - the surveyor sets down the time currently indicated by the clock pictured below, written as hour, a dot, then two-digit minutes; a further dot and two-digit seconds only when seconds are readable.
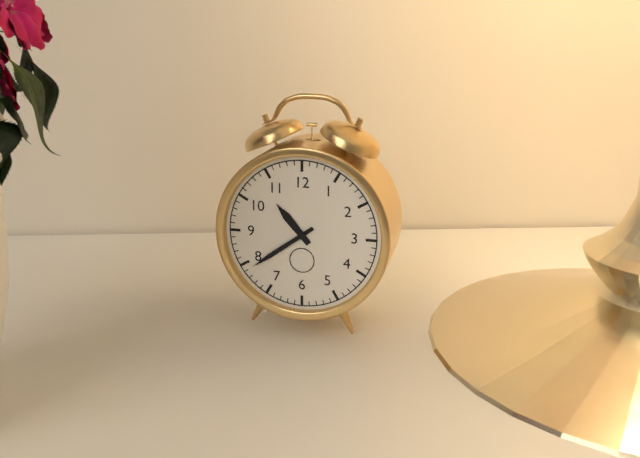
10.39
